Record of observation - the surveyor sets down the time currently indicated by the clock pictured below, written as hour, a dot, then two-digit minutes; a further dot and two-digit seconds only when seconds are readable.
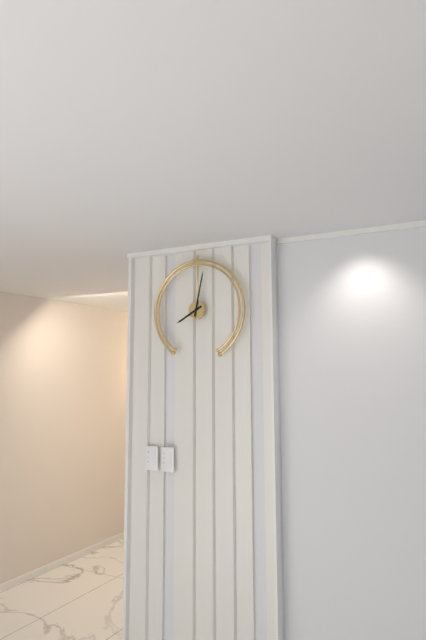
8.02
